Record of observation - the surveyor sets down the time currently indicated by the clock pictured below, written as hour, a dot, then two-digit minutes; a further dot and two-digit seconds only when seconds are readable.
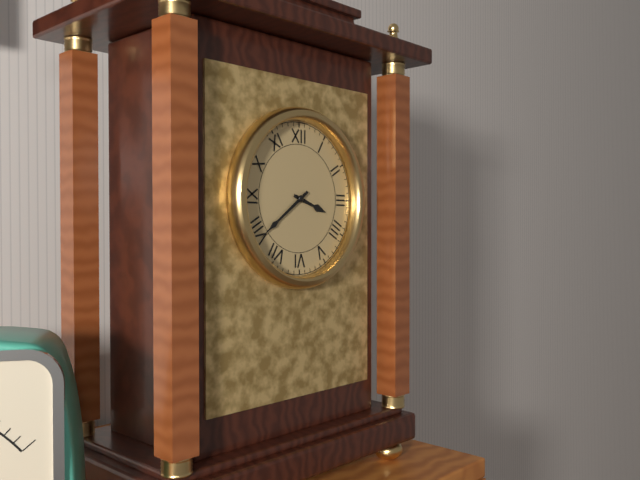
3.39
